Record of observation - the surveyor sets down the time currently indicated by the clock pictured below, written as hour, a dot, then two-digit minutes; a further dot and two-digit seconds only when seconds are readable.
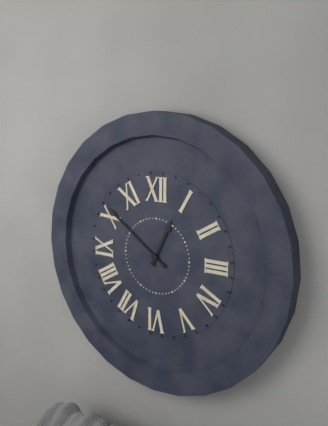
12.51
